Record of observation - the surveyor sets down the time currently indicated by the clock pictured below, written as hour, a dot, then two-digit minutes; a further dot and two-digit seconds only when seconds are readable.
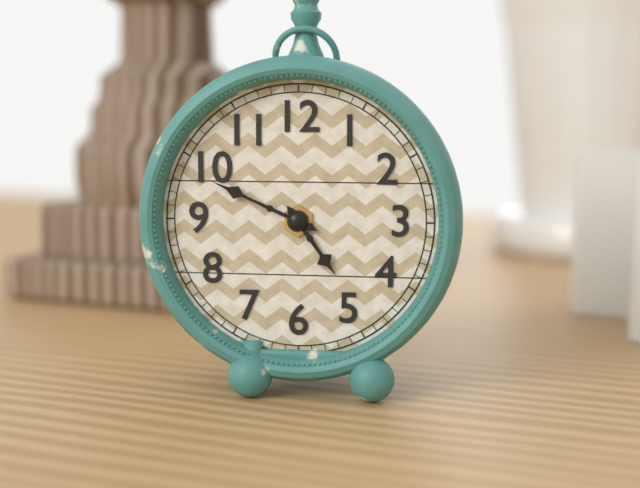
4.49
